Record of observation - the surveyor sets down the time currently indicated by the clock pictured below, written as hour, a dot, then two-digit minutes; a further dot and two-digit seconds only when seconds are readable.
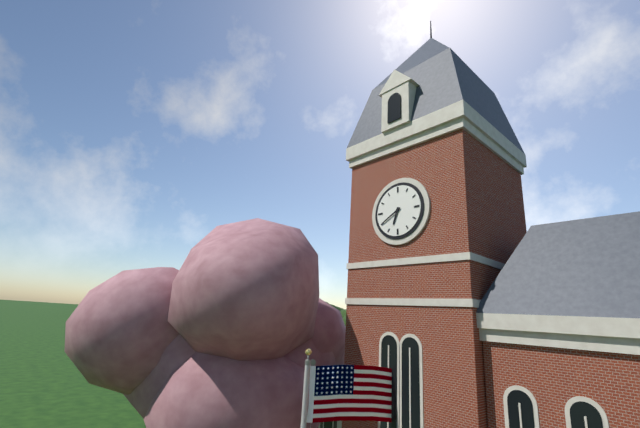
6.40
